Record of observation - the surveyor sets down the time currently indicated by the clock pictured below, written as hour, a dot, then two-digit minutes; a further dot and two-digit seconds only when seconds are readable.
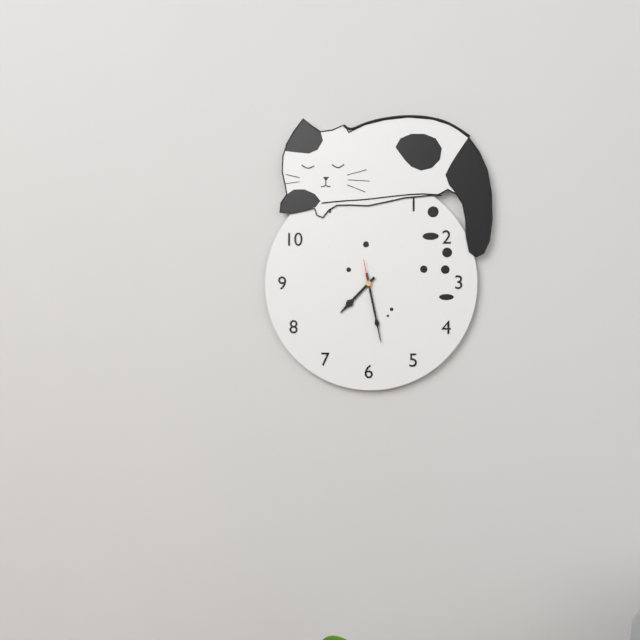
7.28
